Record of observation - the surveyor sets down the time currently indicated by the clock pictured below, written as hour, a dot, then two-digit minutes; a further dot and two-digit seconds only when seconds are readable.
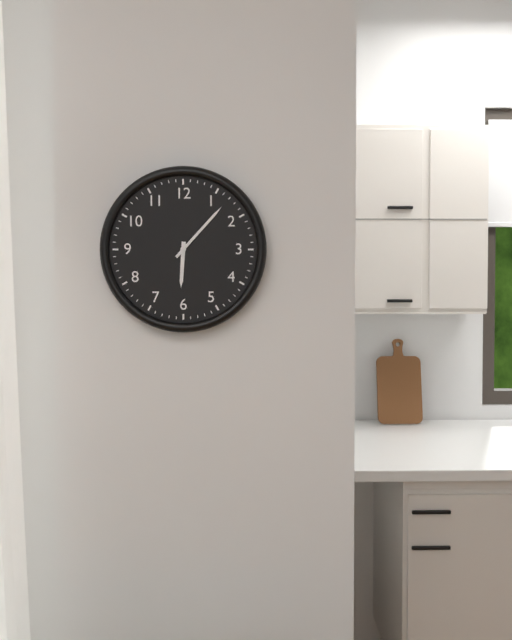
6.07
